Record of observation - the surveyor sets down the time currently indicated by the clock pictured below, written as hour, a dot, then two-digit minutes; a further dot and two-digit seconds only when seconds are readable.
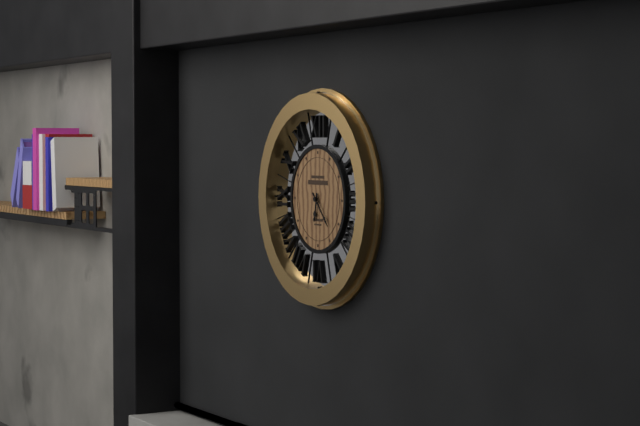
6.23
